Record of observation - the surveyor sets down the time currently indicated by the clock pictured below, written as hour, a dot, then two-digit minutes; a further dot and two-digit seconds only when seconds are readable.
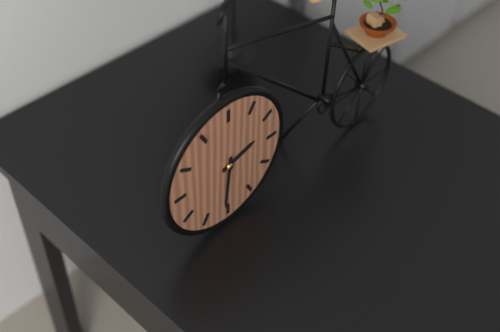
2.31
